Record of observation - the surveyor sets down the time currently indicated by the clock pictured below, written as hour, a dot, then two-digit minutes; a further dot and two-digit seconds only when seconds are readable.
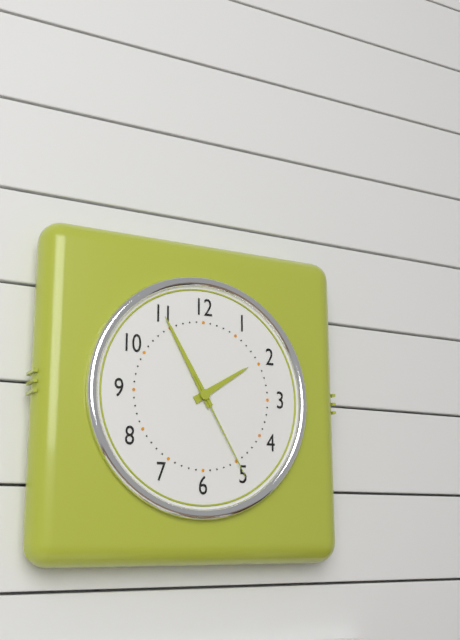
1.55.25
